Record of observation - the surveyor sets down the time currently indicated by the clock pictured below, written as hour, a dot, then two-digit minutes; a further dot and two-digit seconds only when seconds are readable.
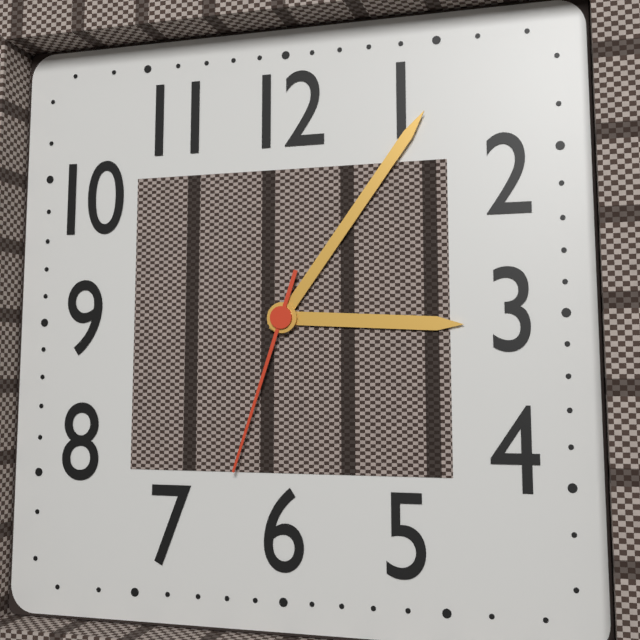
3.06.33
